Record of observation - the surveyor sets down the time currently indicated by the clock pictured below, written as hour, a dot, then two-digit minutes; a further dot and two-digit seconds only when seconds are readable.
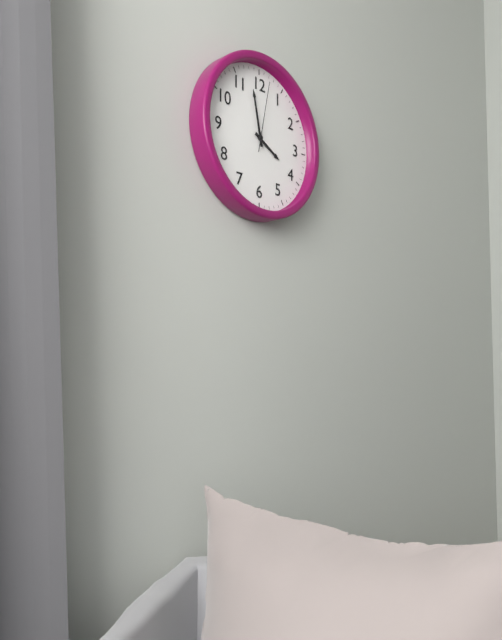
3.58.02
